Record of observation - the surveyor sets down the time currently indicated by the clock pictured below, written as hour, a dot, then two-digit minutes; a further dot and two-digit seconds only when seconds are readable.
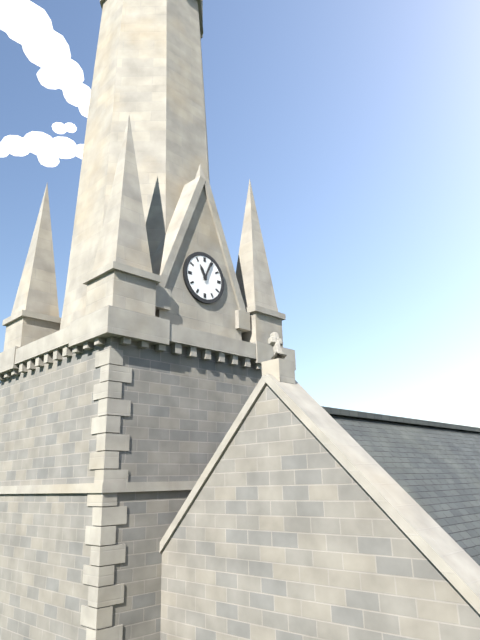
11.04
